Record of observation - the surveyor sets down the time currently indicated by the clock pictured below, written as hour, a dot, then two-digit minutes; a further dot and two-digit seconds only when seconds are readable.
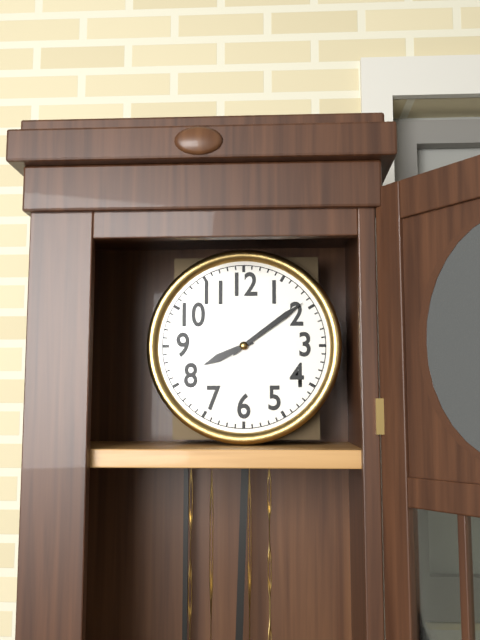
8.09
